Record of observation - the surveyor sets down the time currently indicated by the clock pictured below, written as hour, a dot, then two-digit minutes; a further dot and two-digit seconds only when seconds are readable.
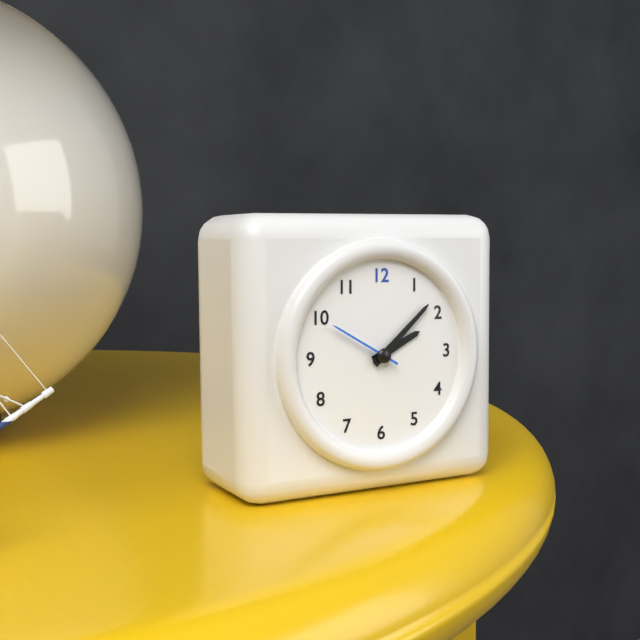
2.08.50
